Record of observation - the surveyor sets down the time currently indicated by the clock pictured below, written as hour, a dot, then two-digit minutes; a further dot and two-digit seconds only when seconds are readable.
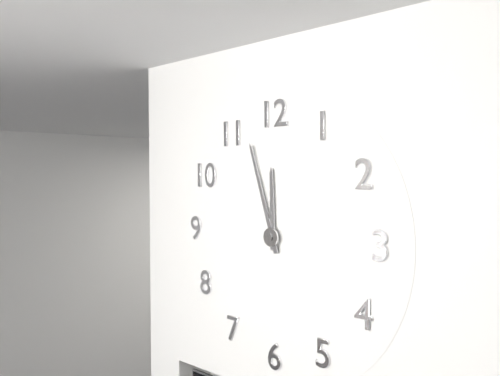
11.57
